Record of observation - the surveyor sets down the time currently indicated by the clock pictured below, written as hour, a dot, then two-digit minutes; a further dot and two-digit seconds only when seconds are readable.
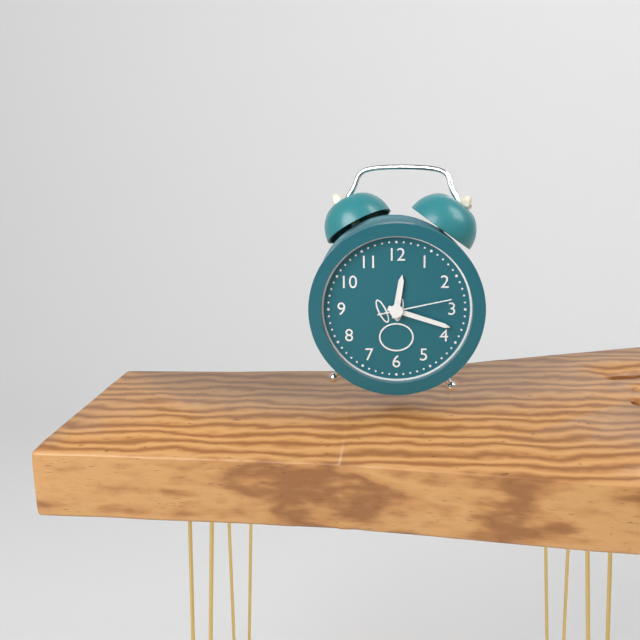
12.18.13
